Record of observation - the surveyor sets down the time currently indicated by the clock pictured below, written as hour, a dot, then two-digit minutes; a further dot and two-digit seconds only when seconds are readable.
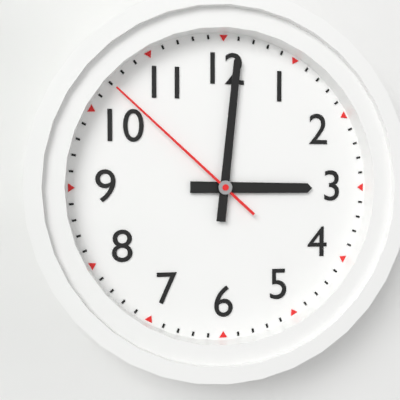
3.01.52
